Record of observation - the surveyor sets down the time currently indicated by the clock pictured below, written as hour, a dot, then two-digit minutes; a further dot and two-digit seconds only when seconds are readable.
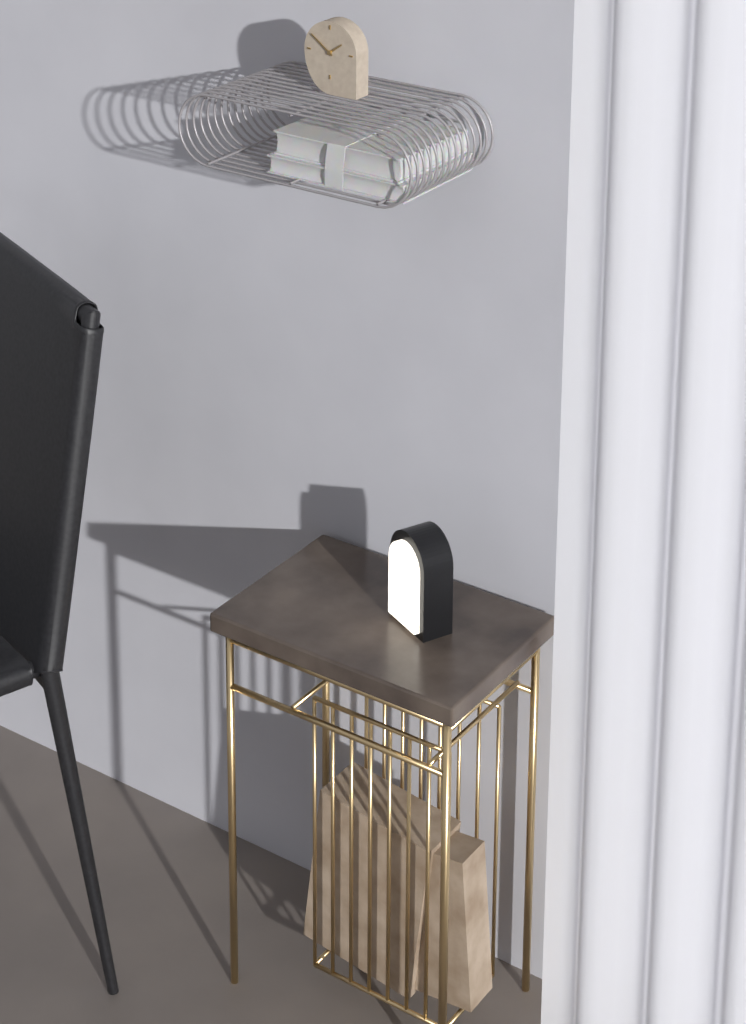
1.51
